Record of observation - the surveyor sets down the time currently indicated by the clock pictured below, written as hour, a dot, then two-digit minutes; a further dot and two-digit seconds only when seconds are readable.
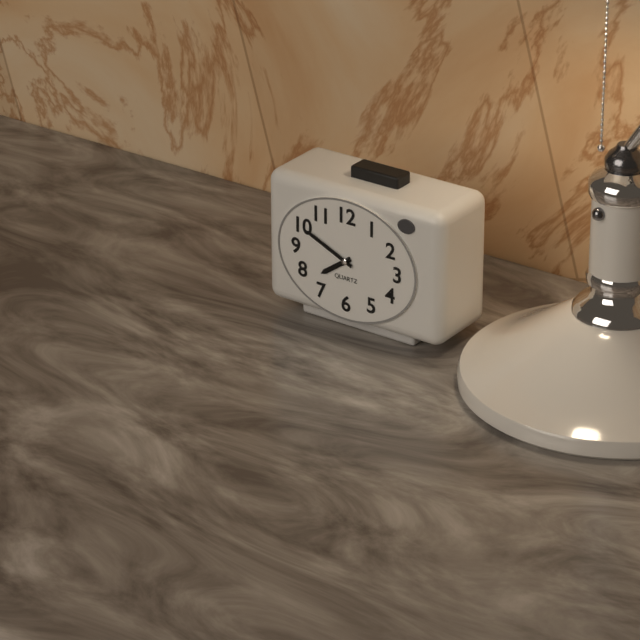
7.49
